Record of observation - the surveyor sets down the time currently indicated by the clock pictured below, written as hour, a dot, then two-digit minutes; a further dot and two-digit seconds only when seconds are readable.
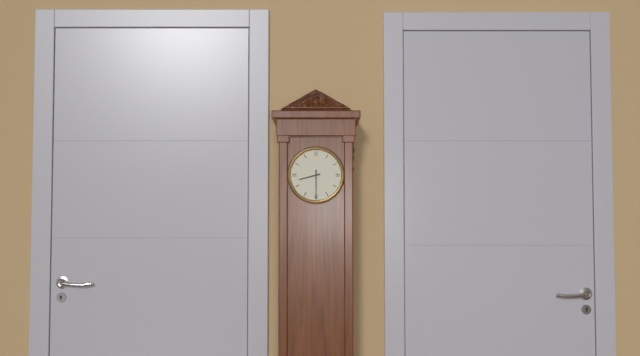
8.30
